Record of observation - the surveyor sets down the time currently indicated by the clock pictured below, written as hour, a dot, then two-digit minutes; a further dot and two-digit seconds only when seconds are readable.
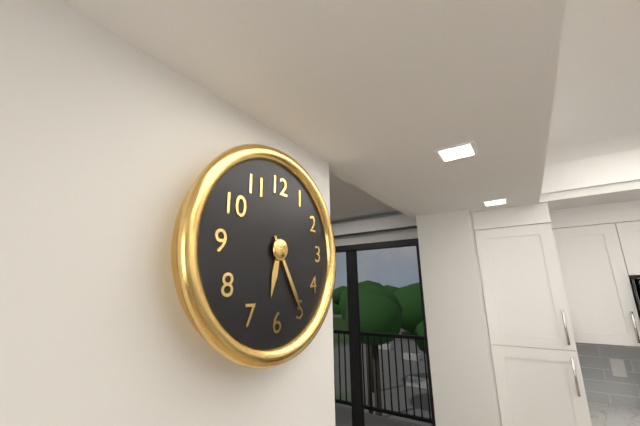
6.25
